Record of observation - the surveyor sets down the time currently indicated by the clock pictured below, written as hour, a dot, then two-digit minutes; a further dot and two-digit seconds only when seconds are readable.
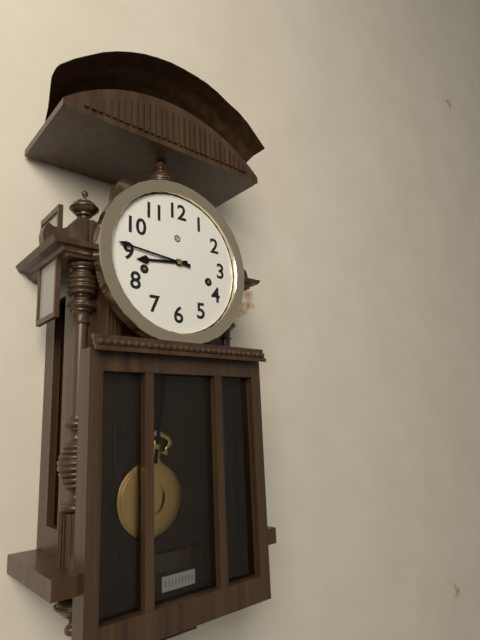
8.46
